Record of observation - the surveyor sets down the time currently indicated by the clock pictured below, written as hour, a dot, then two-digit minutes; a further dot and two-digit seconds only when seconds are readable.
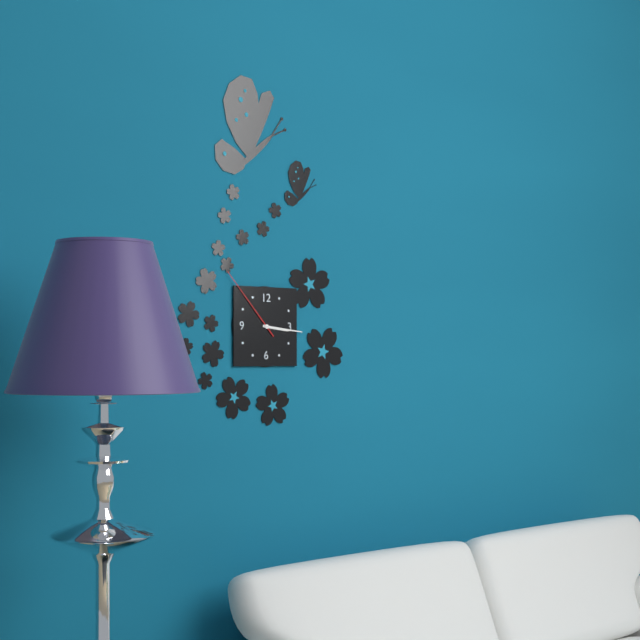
3.16.53
